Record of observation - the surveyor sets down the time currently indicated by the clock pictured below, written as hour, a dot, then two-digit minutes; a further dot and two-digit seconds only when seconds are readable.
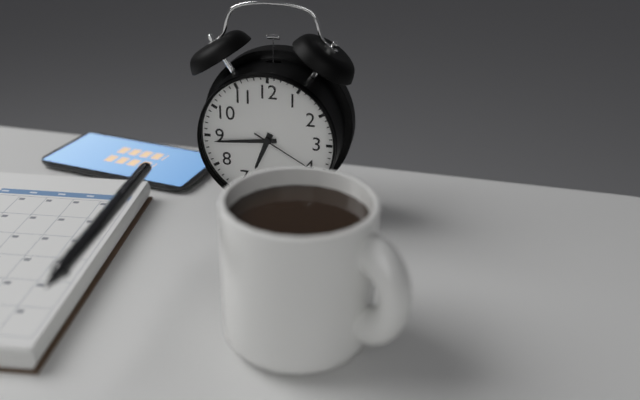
6.44.20
